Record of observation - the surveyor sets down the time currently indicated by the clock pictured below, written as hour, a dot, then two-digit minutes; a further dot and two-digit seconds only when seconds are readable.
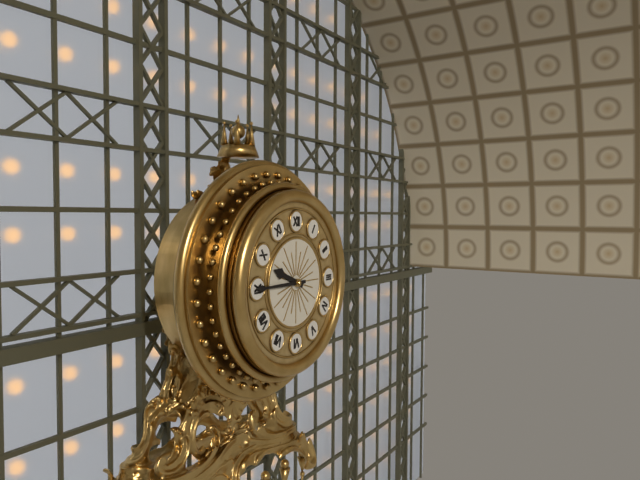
9.45
